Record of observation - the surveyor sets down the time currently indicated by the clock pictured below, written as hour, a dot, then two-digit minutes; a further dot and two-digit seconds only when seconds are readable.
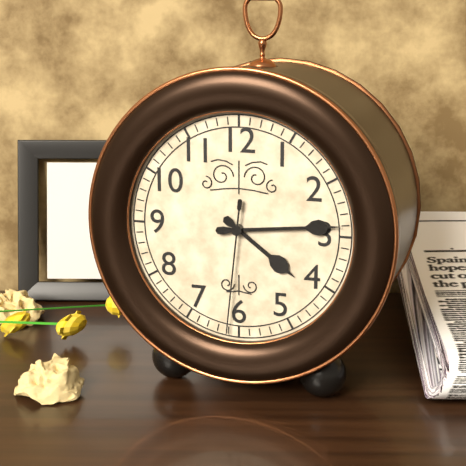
4.14.31
